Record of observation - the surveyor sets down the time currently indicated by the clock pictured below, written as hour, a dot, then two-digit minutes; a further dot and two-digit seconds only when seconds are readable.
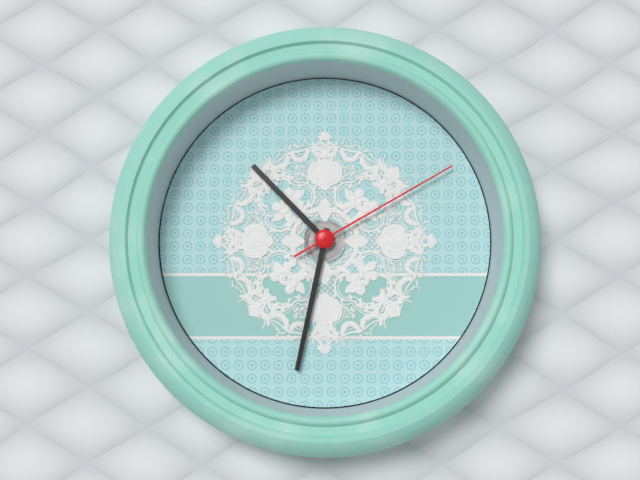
10.32.10
